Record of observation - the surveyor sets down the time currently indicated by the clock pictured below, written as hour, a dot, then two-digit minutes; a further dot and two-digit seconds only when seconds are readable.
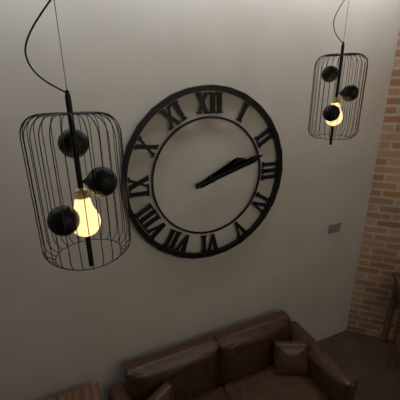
2.12
